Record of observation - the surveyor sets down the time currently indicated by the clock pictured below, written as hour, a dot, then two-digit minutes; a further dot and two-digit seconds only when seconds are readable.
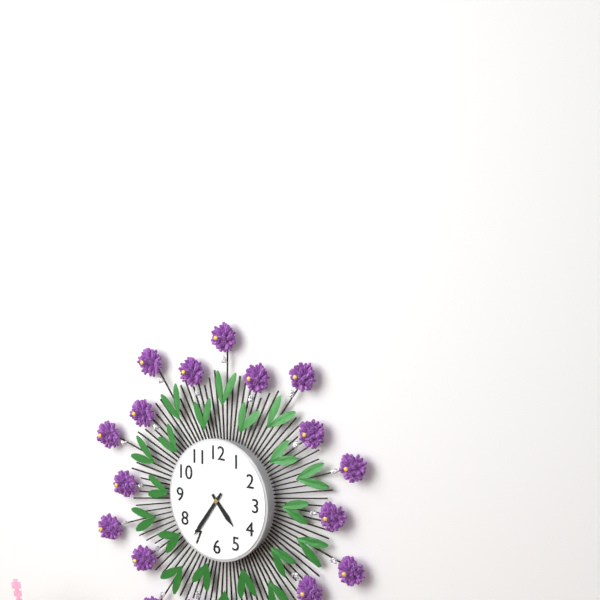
4.36
